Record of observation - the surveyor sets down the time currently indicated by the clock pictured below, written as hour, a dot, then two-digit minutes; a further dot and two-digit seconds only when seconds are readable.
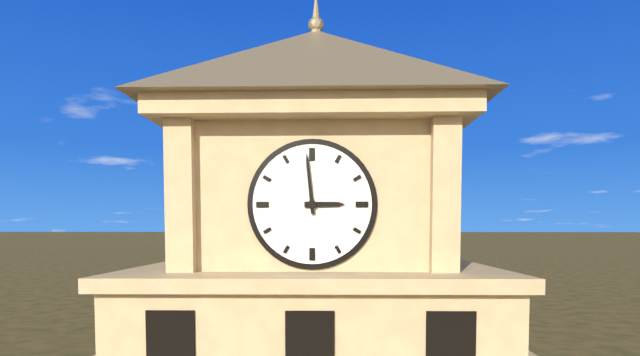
2.59
